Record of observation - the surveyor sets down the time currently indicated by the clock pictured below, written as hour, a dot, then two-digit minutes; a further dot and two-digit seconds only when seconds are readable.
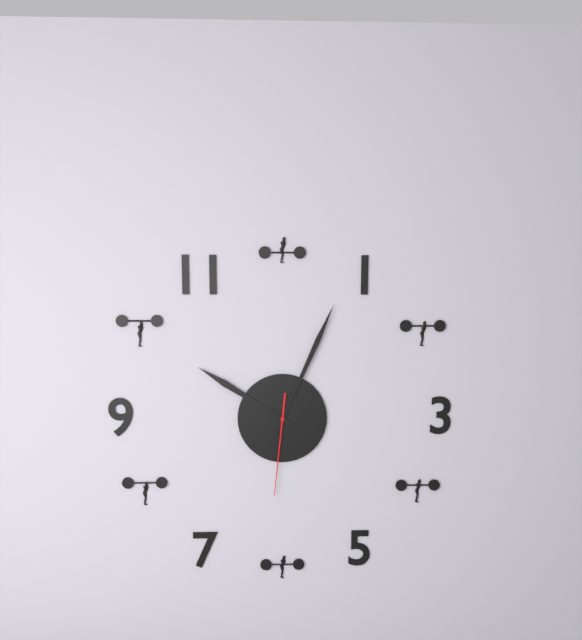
10.04.31
